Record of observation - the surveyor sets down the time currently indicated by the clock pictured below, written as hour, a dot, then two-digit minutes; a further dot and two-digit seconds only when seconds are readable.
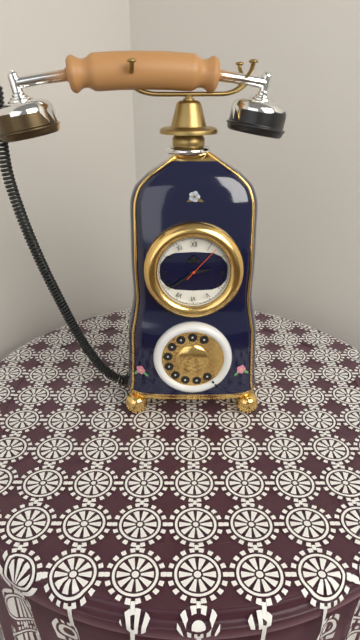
2.39
